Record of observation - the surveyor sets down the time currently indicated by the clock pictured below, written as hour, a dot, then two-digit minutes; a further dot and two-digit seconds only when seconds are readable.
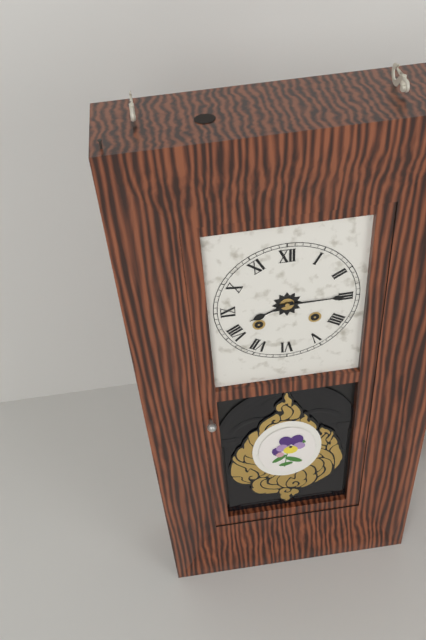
8.15
